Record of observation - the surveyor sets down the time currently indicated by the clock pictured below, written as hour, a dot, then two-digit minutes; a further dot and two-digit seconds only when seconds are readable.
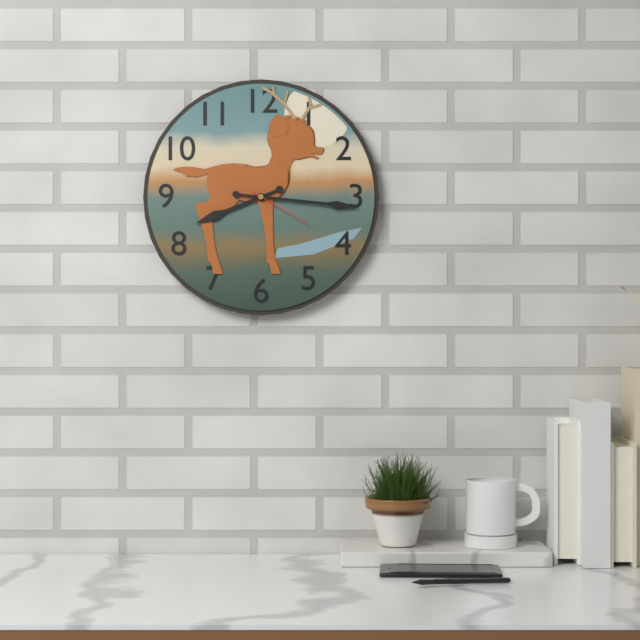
8.16.20
